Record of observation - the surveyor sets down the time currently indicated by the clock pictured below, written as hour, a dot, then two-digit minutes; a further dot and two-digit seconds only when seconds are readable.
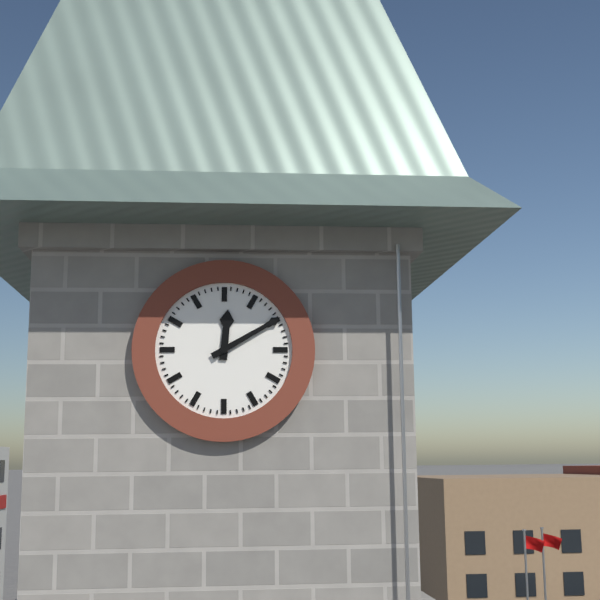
12.10
